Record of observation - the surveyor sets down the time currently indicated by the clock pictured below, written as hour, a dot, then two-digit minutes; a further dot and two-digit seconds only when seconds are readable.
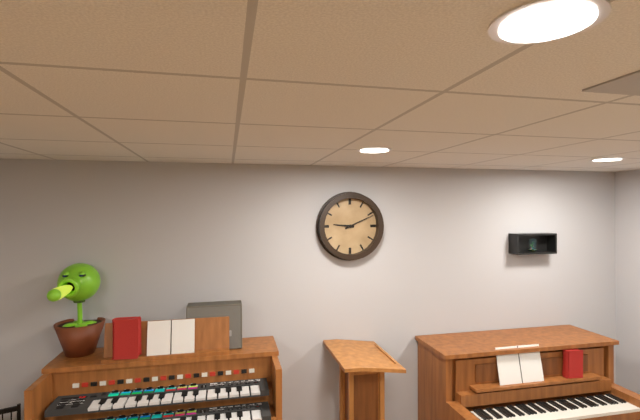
9.11
